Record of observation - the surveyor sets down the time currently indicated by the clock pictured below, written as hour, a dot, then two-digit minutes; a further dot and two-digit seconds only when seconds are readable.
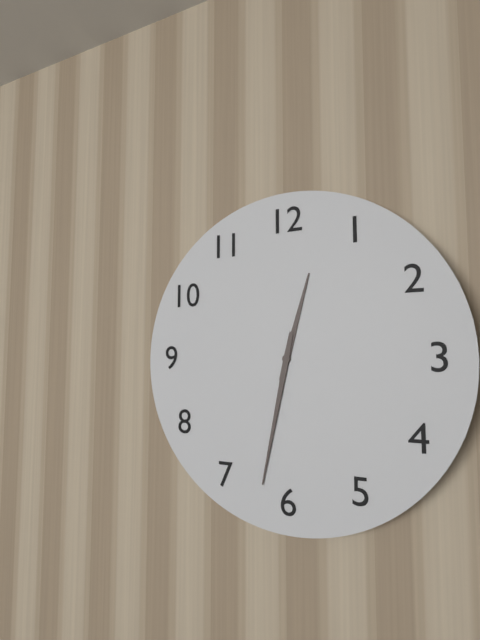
12.32
